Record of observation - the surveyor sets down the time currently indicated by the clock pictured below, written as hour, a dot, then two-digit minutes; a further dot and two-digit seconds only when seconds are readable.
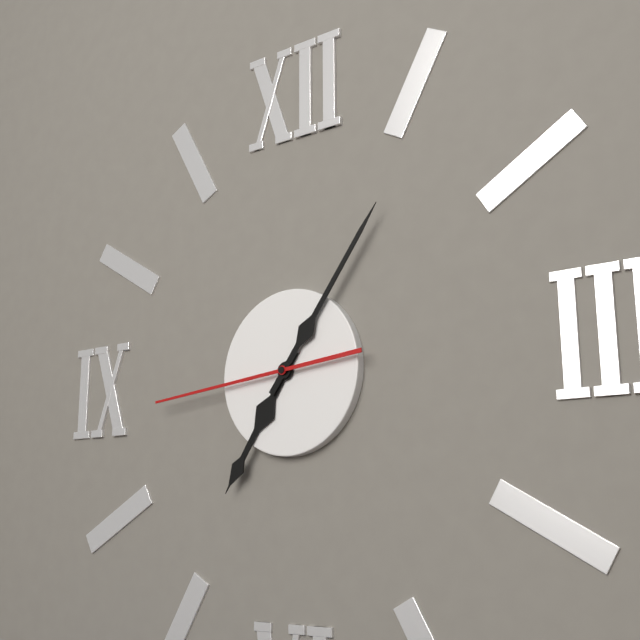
7.06.44
